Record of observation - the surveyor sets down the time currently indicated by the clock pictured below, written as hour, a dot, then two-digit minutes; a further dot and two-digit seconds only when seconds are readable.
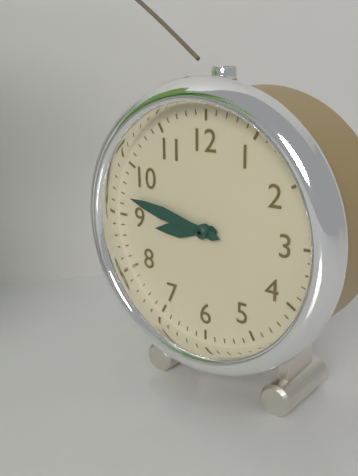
8.47
